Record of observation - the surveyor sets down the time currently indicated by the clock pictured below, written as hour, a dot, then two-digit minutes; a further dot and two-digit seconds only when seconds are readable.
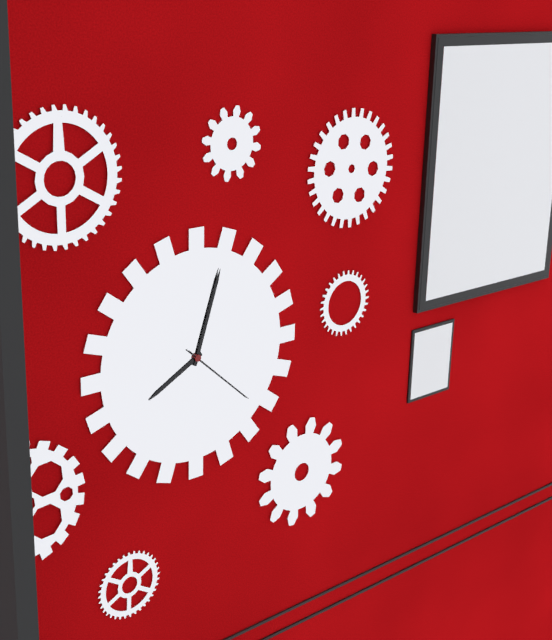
8.03.22
